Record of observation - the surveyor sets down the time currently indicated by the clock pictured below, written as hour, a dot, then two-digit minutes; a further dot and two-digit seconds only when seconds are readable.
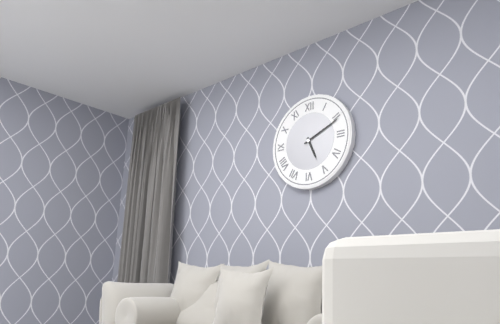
5.11
